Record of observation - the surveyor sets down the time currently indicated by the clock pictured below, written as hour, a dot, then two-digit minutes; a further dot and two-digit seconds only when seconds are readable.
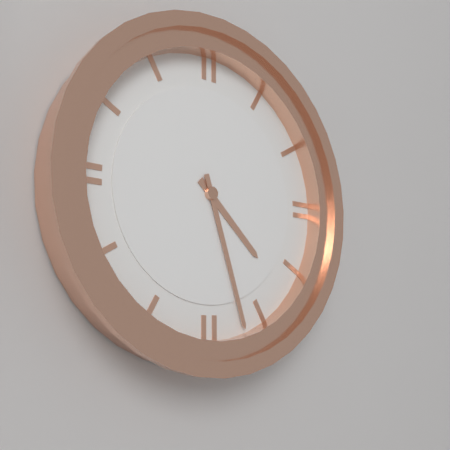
4.27
